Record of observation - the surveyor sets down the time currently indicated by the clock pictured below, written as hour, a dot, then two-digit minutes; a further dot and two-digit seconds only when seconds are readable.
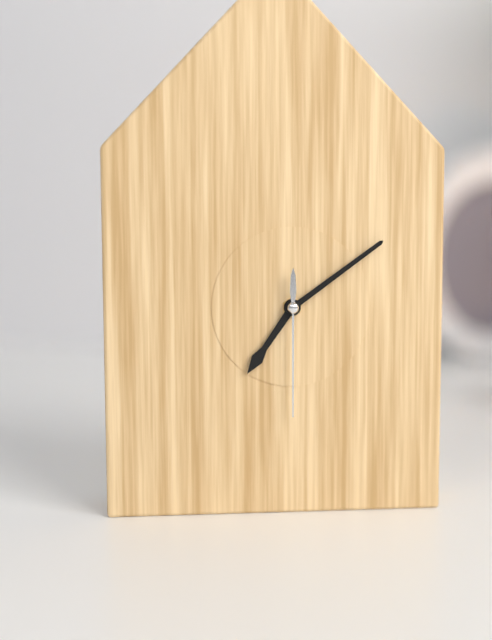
7.09.30
